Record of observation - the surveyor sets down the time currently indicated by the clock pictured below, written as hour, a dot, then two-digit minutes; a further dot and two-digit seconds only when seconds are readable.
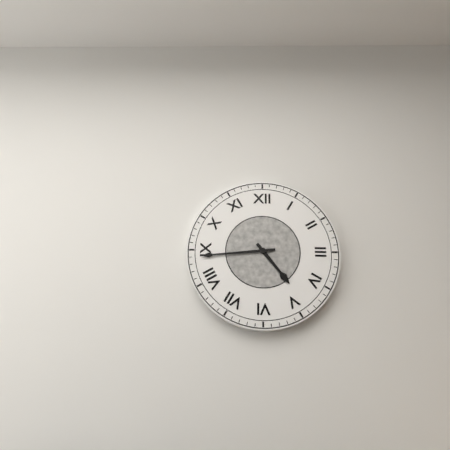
4.44
